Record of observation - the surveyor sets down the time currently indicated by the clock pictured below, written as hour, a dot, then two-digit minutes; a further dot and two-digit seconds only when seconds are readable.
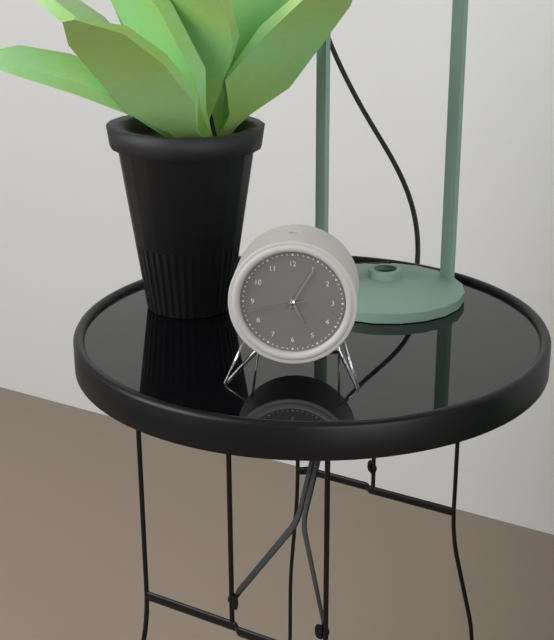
5.05.43
